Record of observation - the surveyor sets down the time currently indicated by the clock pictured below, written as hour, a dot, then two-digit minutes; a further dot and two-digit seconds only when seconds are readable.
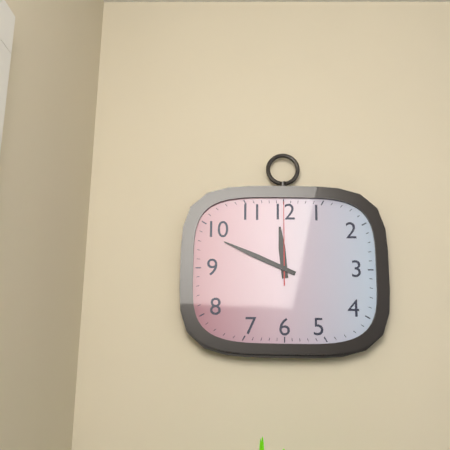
11.49.00
